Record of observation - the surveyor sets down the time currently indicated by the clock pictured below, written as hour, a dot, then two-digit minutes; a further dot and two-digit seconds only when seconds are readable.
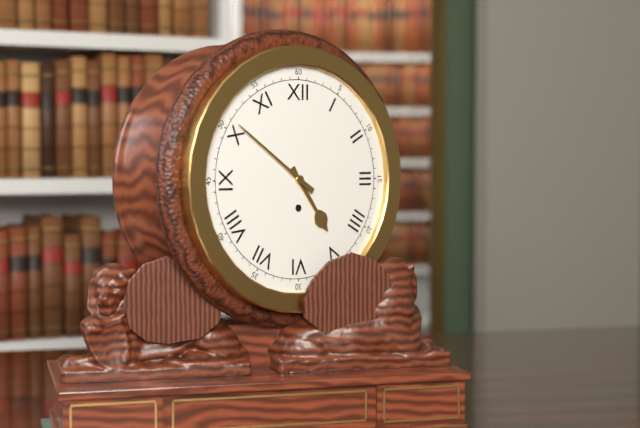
4.51
